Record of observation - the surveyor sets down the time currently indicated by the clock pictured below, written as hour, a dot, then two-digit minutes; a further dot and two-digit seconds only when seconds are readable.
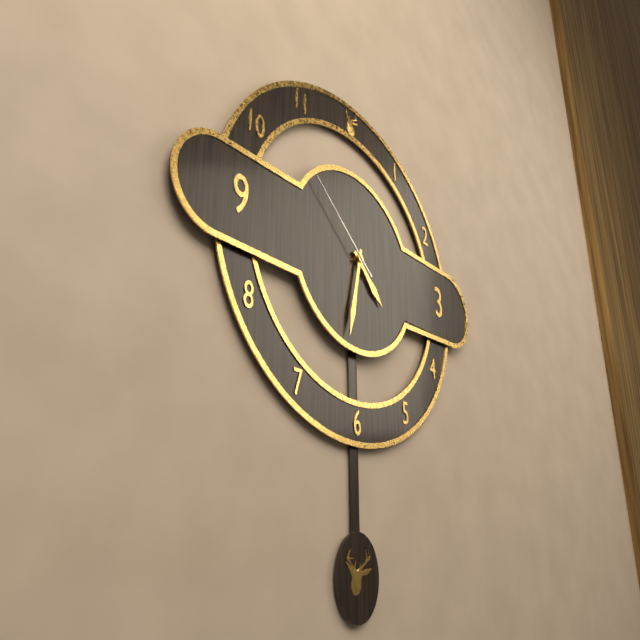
4.32.52
